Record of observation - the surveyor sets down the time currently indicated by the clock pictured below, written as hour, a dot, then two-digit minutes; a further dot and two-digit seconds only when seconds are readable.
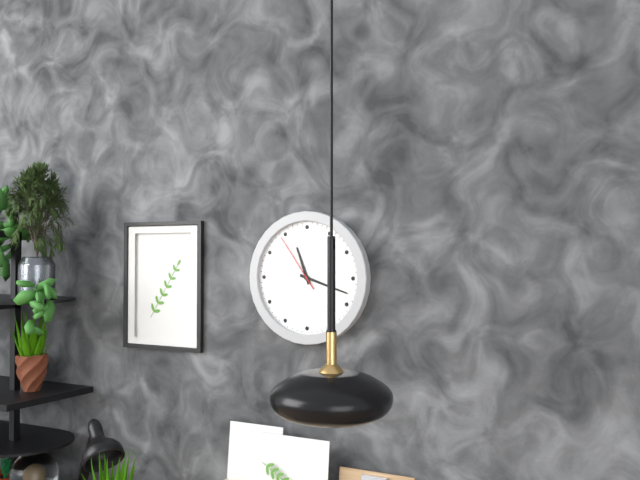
11.18.54
